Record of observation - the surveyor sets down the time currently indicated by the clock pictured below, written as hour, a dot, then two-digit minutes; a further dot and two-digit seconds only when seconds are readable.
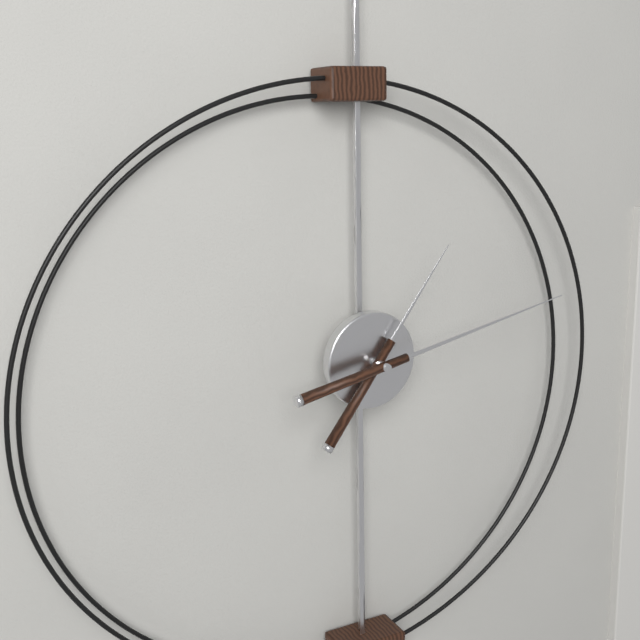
1.13
